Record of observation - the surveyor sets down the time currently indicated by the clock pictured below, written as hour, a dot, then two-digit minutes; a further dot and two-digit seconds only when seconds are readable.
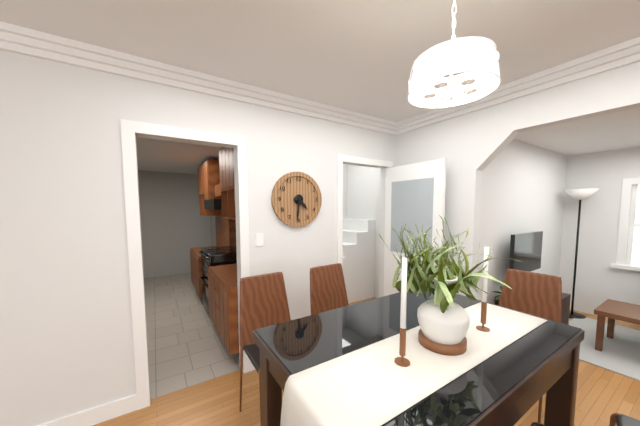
4.31
